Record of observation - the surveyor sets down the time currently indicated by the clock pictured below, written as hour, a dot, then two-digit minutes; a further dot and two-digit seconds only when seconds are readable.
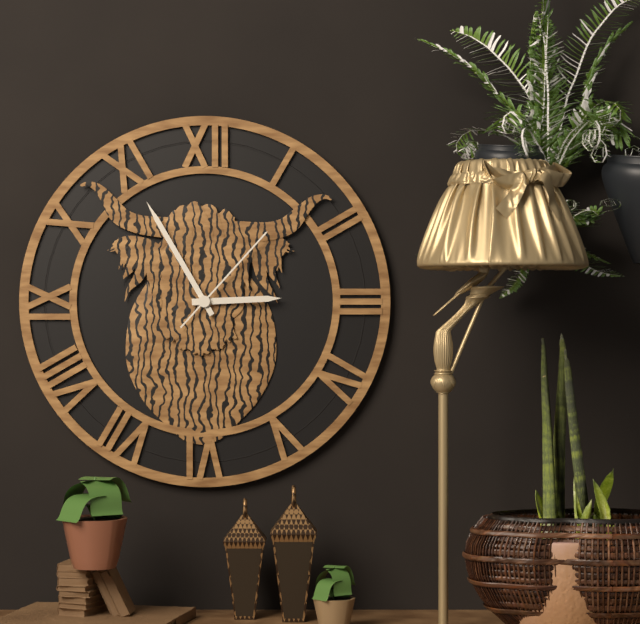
2.55.07
